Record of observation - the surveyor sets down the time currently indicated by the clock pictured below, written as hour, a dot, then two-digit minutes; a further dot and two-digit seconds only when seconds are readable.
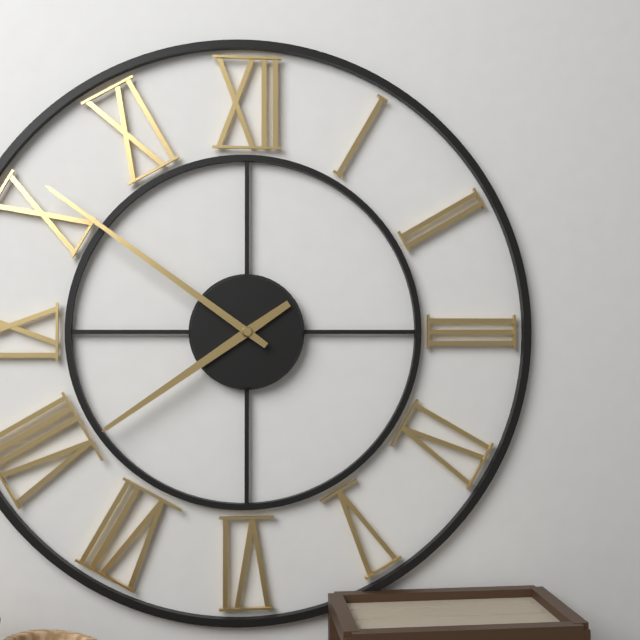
7.51
